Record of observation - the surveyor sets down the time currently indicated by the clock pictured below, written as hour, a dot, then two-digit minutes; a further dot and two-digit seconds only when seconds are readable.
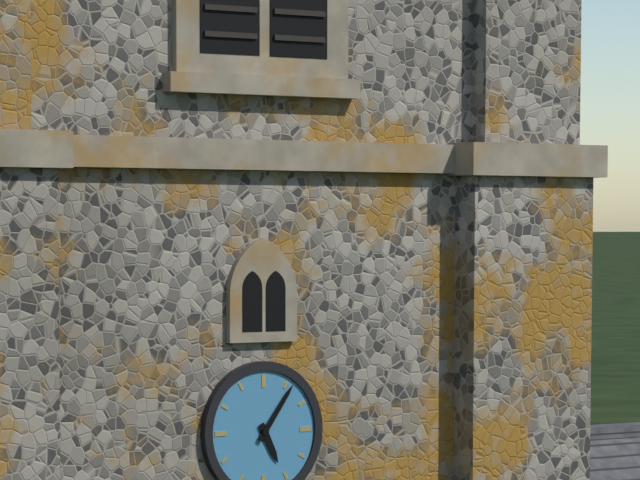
5.06
